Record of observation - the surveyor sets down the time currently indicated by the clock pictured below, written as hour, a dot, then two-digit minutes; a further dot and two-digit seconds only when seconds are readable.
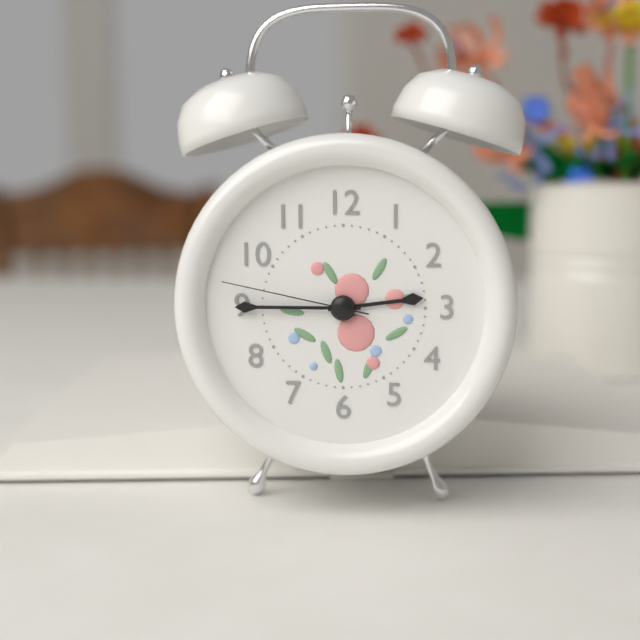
2.45.47
